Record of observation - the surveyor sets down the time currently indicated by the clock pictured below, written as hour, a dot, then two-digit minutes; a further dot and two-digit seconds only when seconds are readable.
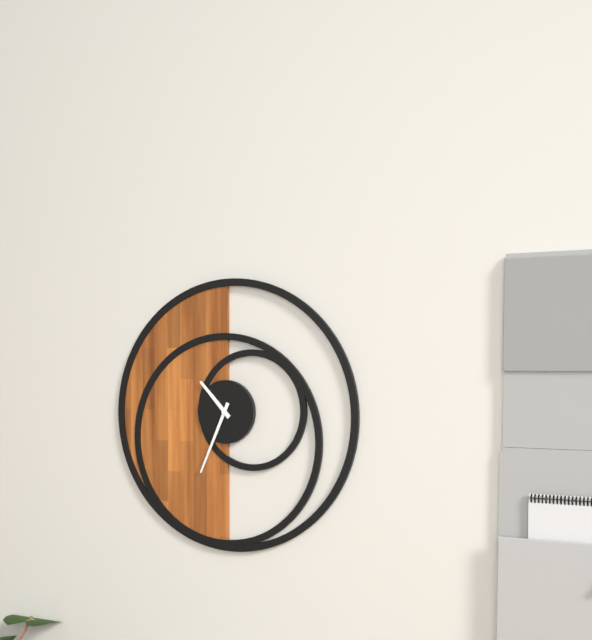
10.34
